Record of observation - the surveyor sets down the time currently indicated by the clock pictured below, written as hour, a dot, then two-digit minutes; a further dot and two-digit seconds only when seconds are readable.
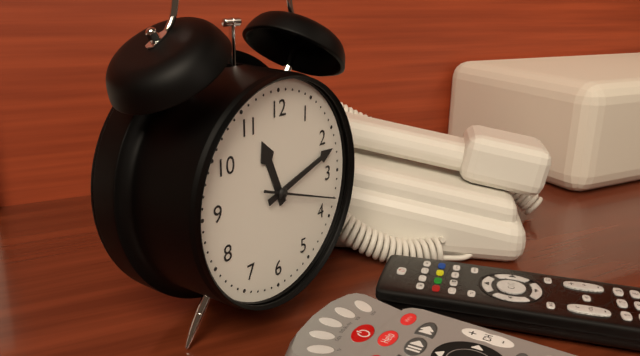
11.12.18
